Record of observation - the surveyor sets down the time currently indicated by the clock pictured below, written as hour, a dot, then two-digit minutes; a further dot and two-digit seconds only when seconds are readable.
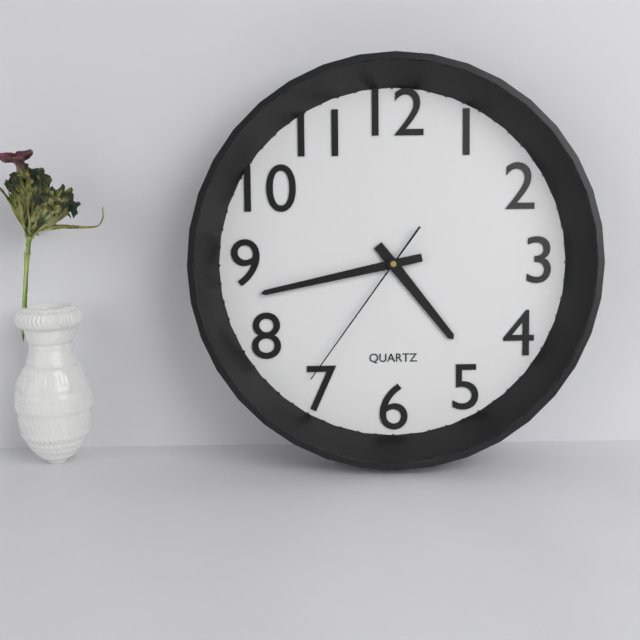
4.43.36
